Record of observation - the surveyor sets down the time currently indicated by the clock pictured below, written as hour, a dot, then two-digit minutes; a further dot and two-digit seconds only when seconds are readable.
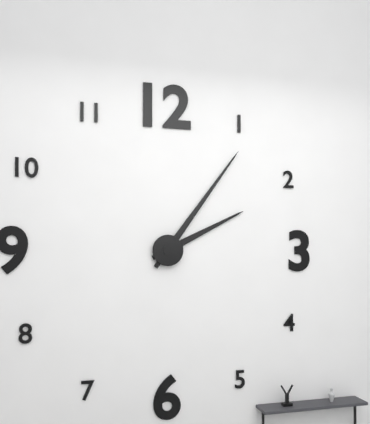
2.06
